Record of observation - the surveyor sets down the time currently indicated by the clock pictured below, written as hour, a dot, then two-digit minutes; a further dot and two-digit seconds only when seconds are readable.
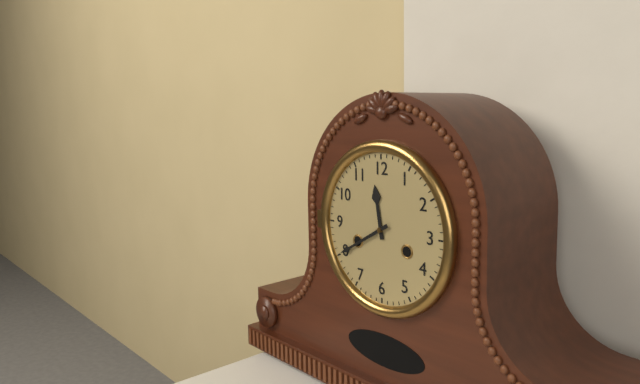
11.40
